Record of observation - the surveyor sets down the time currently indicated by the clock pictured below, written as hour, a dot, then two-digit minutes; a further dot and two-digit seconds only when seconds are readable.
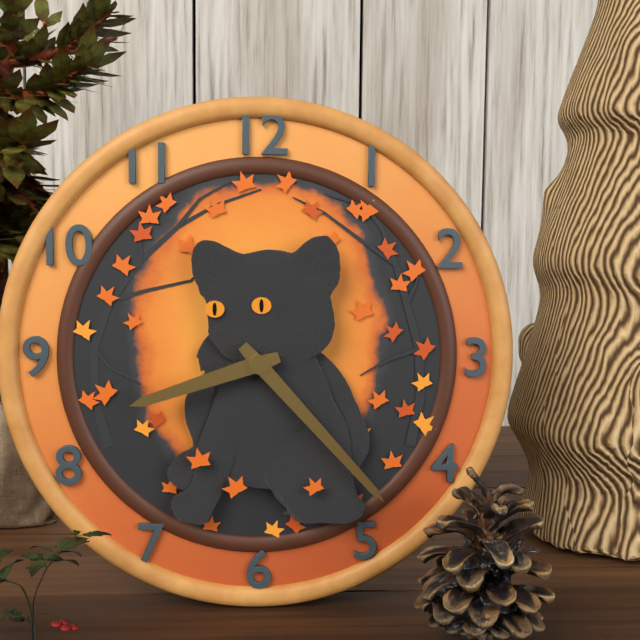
8.23
